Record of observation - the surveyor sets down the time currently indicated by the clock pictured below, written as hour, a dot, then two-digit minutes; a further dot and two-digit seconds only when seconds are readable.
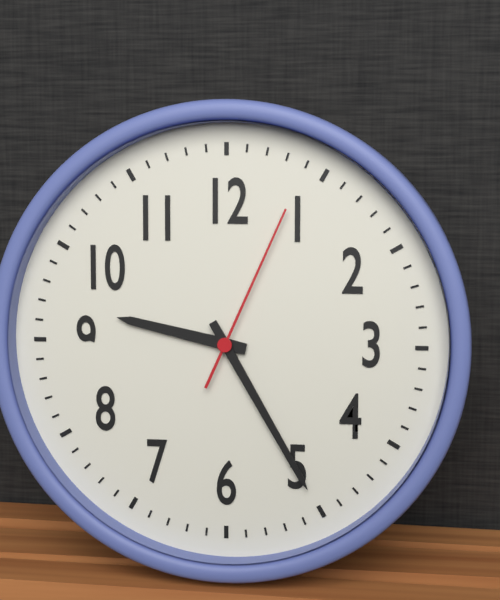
9.25.04
